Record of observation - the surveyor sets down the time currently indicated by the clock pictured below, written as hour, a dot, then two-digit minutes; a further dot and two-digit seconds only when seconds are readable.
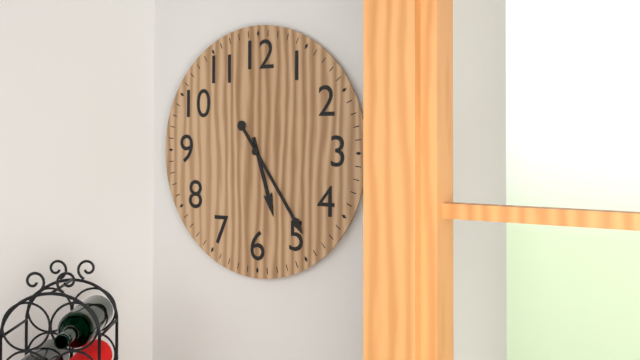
5.24
